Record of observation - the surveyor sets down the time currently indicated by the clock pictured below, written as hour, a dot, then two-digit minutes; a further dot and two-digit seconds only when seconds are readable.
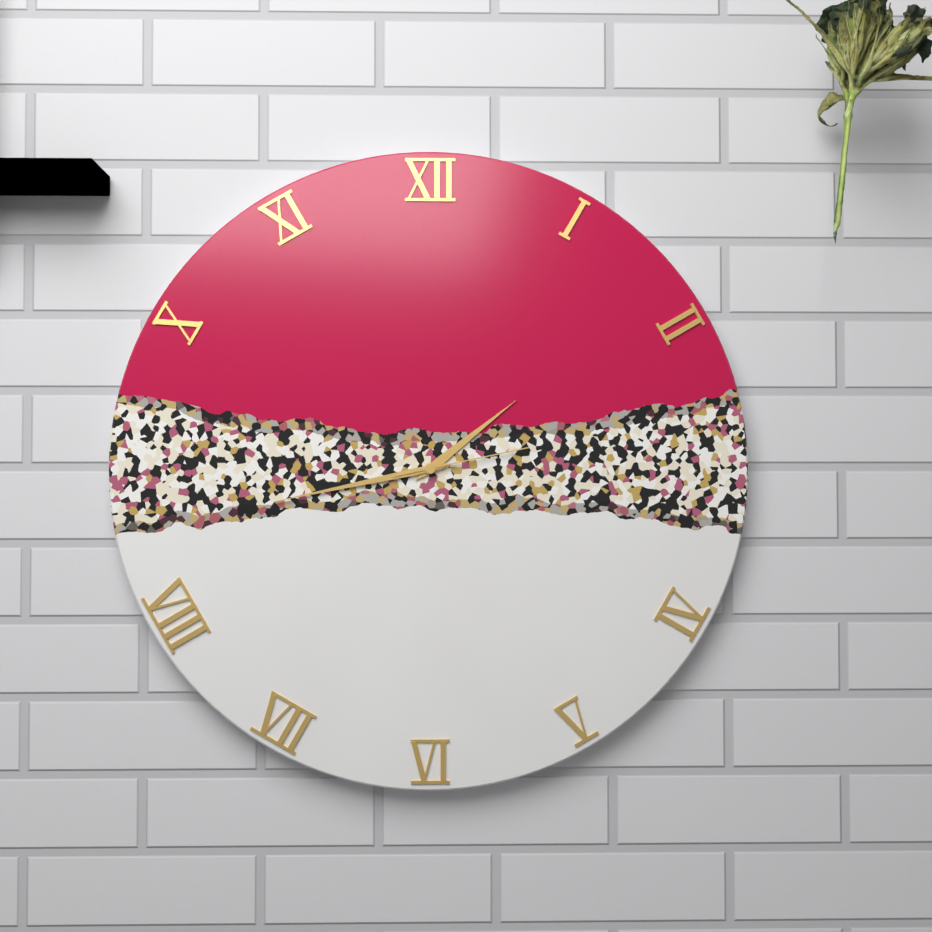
1.43.13
